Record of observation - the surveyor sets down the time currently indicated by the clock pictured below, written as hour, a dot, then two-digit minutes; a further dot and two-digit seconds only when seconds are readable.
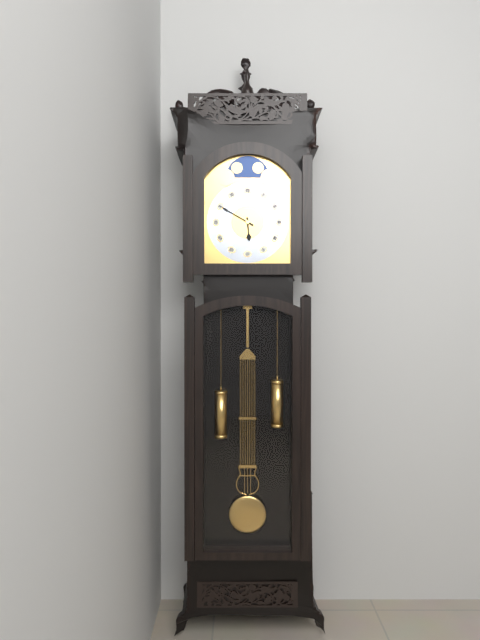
5.50
